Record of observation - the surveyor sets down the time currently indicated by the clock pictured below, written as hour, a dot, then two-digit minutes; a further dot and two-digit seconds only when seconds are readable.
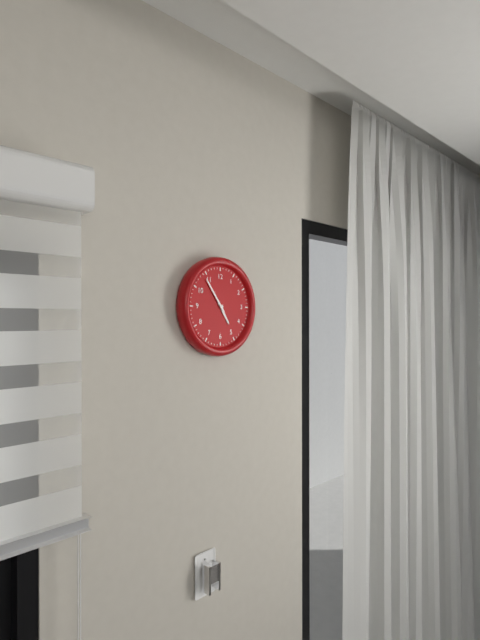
4.54
